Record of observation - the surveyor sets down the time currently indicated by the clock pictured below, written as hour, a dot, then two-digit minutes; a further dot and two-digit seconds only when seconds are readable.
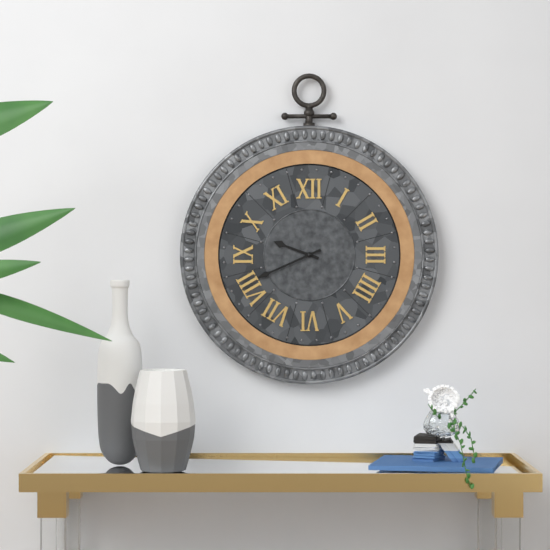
9.41
